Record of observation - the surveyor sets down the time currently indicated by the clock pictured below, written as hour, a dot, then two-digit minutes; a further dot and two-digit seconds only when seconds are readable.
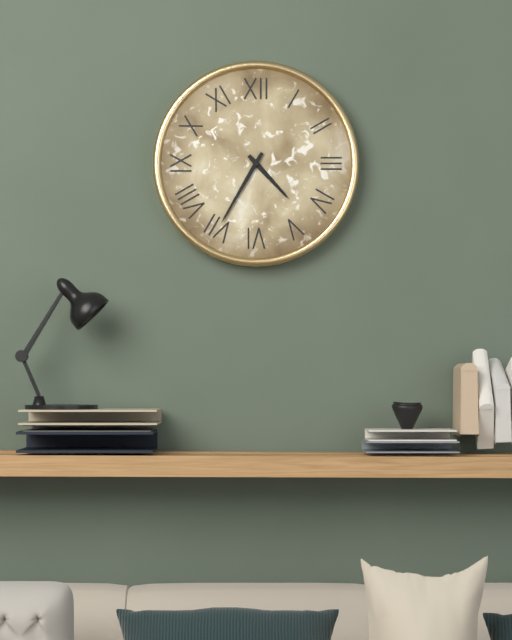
4.35
